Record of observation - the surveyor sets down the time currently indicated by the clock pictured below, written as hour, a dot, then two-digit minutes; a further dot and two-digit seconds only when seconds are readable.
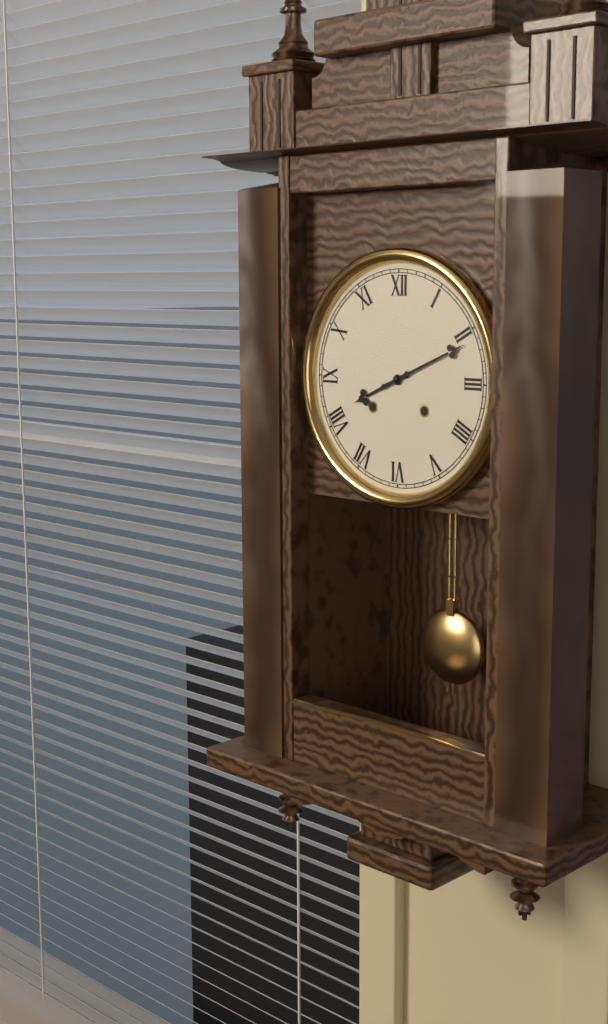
8.11
